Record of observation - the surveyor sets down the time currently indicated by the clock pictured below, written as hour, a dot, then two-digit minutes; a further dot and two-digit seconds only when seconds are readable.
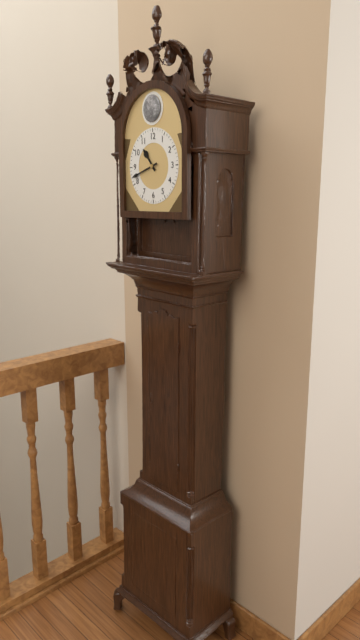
10.42
